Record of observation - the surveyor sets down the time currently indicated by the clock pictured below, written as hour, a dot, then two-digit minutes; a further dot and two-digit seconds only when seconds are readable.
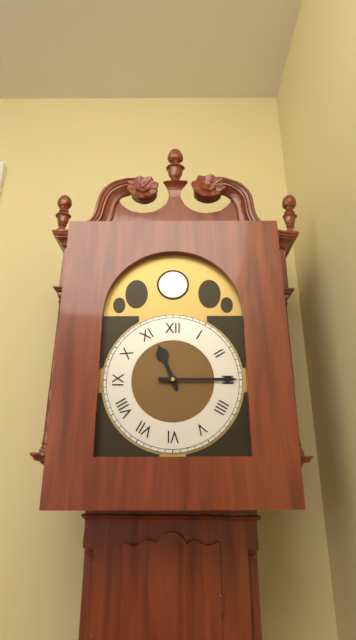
11.15
